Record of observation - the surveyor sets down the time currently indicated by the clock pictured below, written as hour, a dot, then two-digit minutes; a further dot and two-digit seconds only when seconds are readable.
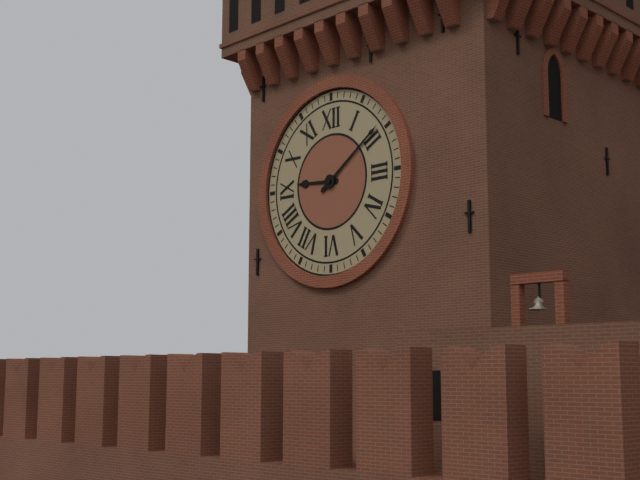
9.09
